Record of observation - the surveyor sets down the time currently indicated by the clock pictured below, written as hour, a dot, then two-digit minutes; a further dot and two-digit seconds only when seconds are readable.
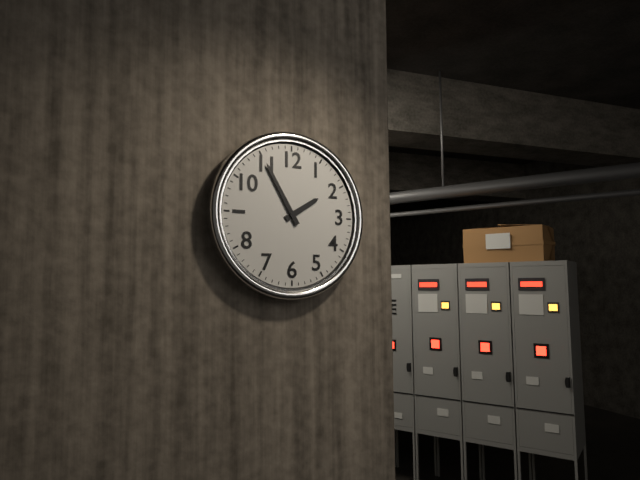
1.55
